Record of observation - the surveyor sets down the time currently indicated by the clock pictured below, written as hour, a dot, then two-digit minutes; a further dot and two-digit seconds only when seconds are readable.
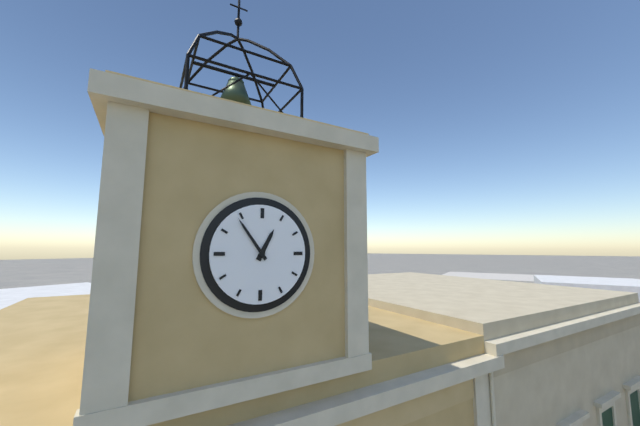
12.54
